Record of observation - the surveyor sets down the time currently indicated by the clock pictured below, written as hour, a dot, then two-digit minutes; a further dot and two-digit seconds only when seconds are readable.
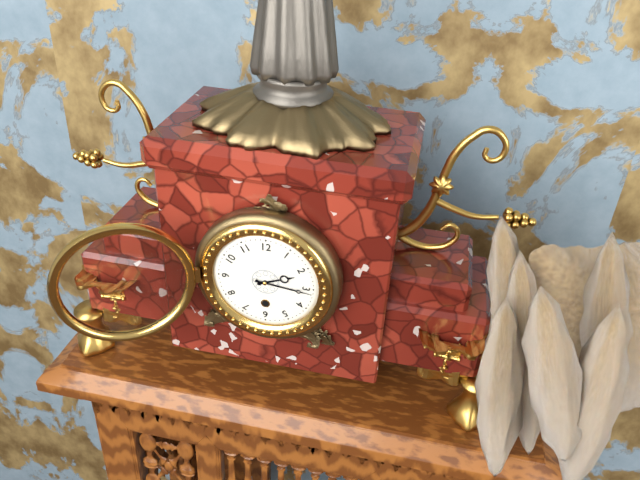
2.16
